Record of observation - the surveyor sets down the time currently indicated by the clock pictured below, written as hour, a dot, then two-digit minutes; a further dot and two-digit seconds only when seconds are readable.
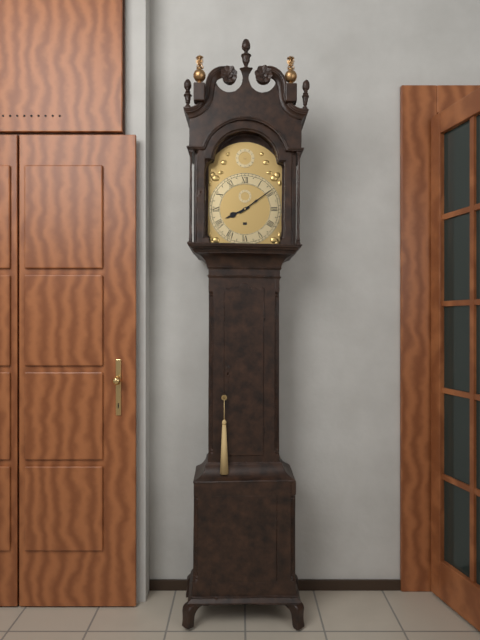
8.09
